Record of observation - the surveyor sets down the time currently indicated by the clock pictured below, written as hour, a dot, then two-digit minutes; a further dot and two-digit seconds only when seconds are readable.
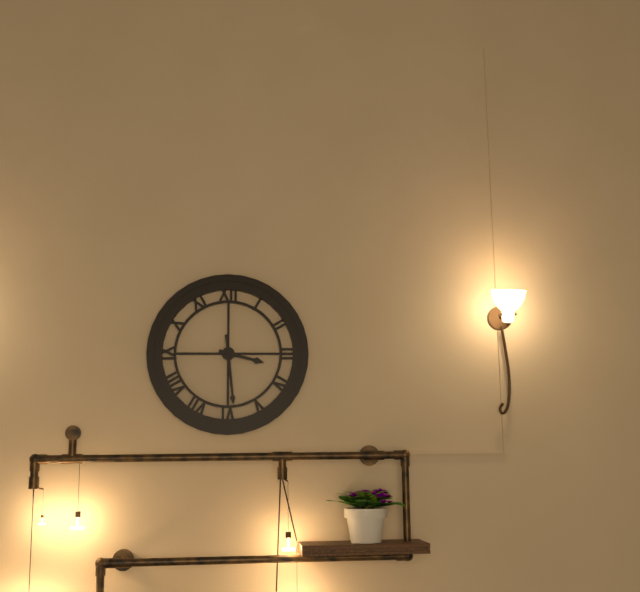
3.29
